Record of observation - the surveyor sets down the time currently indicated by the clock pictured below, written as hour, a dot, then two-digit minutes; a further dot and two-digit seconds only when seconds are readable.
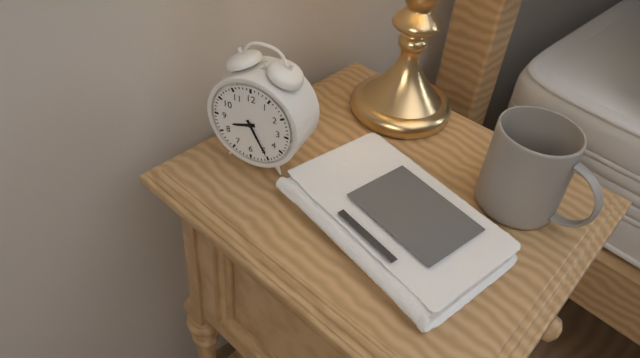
8.25
